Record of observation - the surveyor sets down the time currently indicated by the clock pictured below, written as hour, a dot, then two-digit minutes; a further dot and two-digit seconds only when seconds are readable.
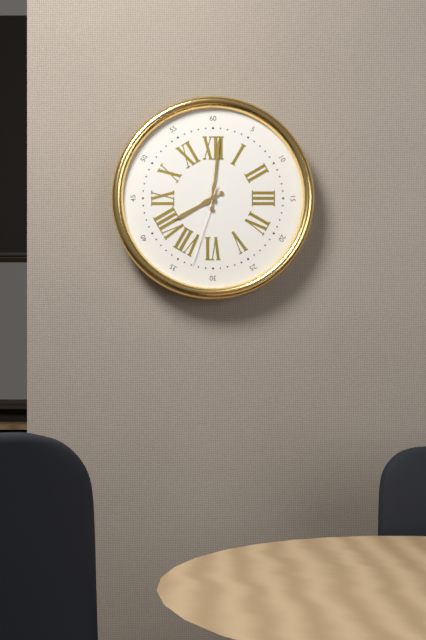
8.01.33
